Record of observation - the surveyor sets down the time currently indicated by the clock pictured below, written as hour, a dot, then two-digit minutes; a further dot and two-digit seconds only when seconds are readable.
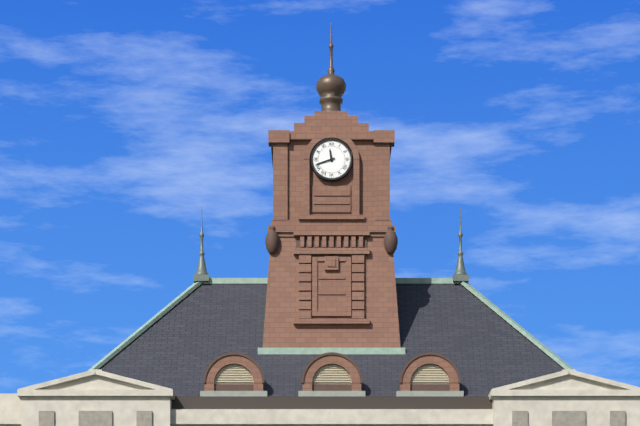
11.42
